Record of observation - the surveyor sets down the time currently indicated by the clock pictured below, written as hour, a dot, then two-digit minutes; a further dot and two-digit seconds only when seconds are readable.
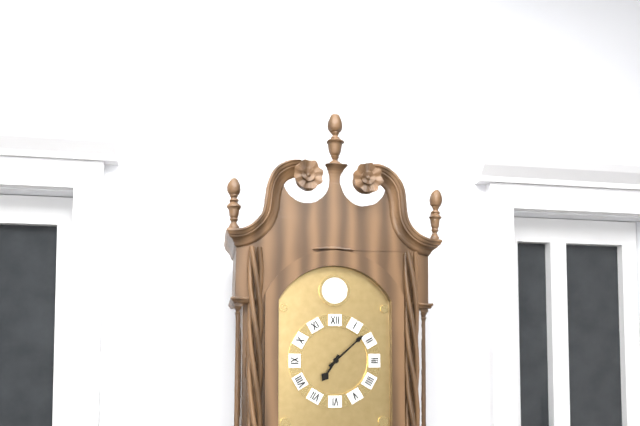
7.08
